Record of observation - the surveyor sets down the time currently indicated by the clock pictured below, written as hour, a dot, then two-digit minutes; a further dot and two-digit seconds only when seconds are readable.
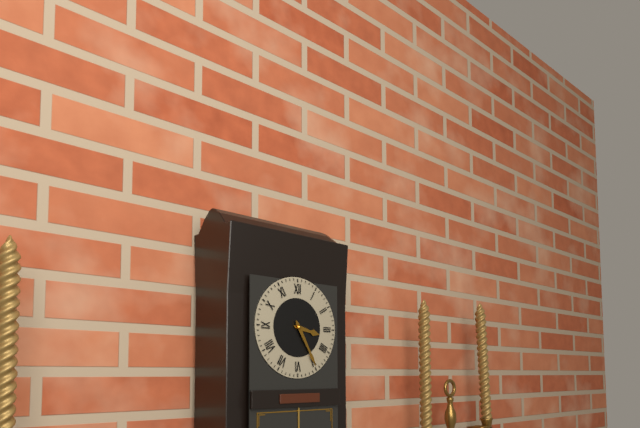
3.25
